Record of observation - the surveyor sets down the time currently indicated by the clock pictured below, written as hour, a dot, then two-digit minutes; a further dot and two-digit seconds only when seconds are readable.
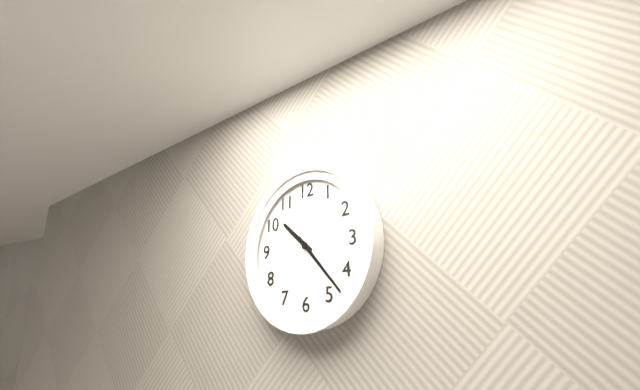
10.23
